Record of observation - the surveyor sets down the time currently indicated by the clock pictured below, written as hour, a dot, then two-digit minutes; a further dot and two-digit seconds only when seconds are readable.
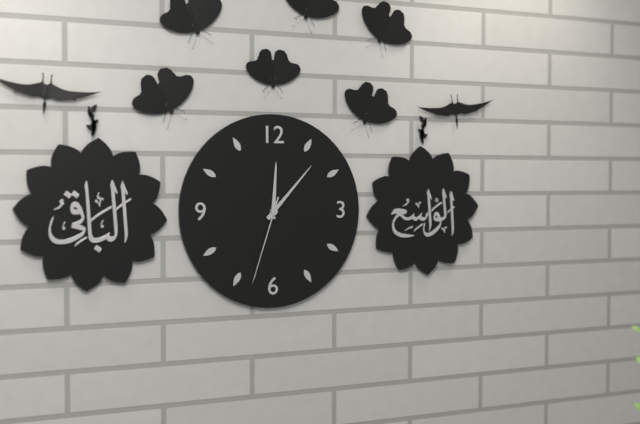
12.07.33
